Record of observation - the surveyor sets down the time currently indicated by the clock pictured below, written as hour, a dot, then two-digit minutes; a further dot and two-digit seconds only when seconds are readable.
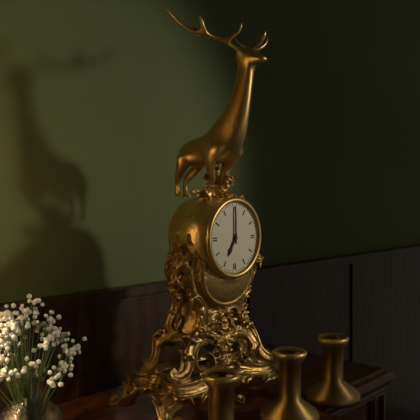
7.00
